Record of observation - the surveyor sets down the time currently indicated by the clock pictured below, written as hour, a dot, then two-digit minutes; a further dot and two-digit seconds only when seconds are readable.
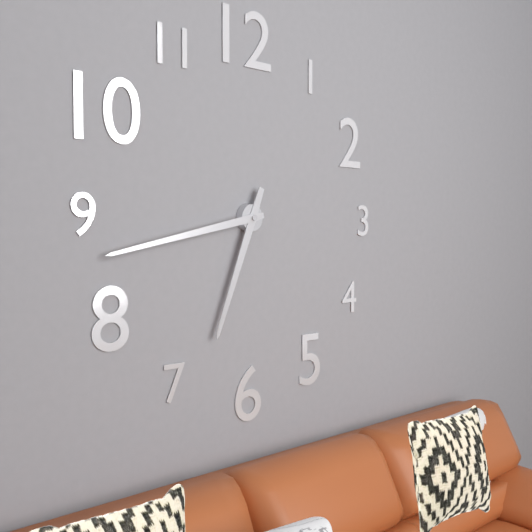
6.43
